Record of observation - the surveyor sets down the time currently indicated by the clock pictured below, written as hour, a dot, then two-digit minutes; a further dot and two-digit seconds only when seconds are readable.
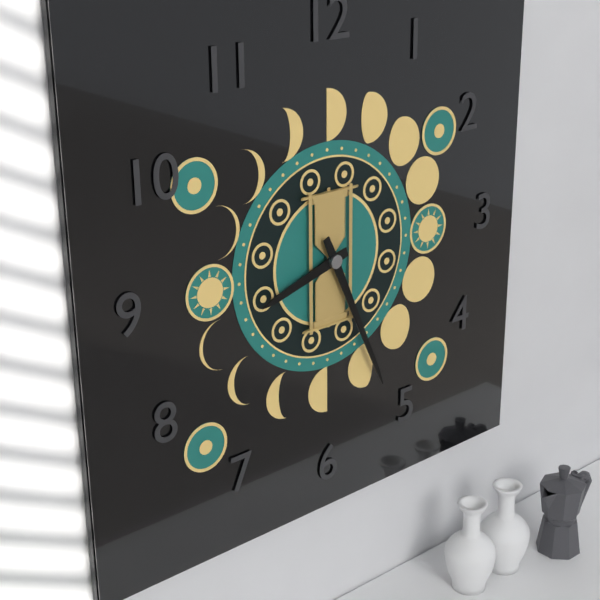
8.26
